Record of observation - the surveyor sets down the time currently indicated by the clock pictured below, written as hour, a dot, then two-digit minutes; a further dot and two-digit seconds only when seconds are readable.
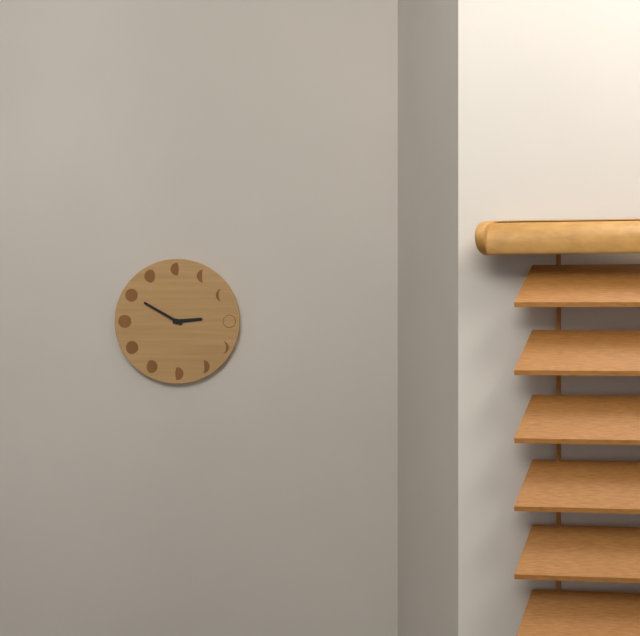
2.50
